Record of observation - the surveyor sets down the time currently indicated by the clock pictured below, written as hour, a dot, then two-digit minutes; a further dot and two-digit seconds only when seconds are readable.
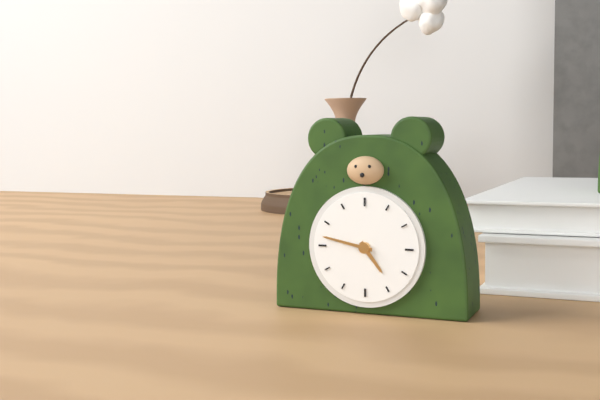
4.47
